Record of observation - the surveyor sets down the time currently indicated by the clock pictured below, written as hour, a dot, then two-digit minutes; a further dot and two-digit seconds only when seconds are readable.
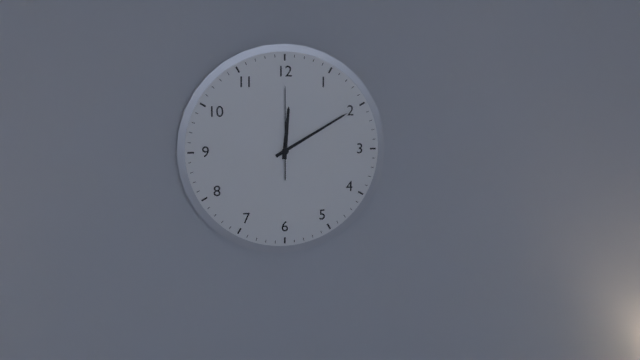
12.10.00
